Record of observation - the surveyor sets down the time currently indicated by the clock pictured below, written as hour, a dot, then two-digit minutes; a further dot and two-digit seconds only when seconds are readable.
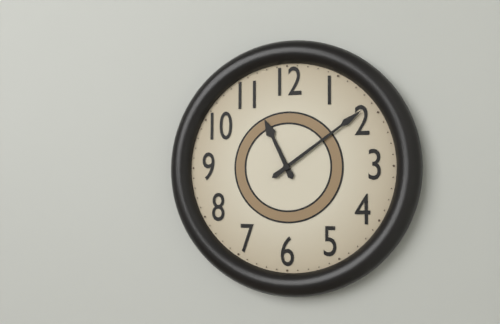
11.09
